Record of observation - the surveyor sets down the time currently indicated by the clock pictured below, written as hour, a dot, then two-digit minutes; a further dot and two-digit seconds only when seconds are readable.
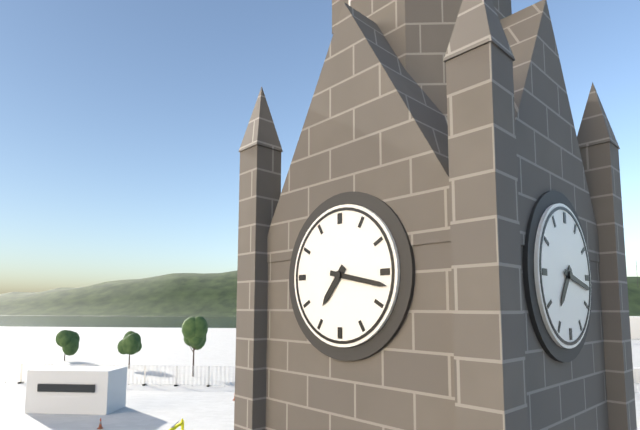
7.17
